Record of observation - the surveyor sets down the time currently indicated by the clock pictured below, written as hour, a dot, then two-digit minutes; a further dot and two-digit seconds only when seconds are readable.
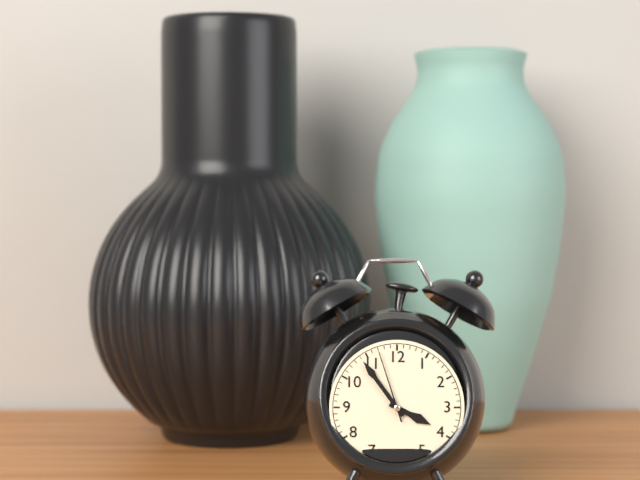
3.54.57
